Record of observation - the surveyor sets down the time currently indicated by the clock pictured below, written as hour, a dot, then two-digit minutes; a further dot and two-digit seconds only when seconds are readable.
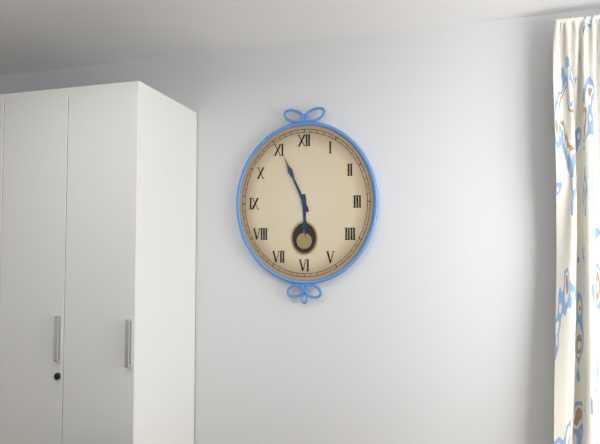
5.56
